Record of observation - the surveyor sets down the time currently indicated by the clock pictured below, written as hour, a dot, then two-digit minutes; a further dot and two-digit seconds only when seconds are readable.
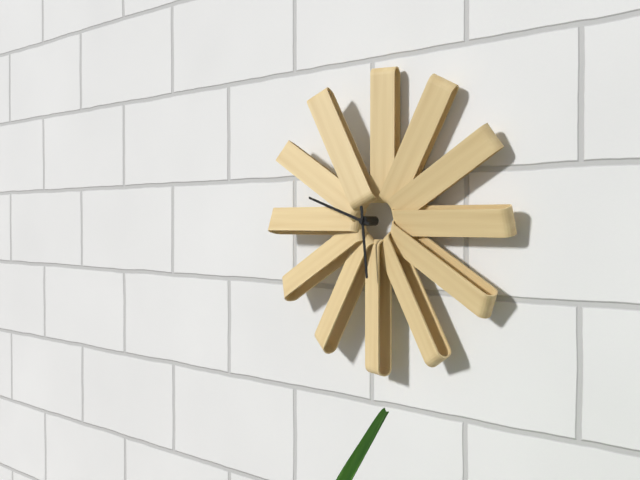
5.48
